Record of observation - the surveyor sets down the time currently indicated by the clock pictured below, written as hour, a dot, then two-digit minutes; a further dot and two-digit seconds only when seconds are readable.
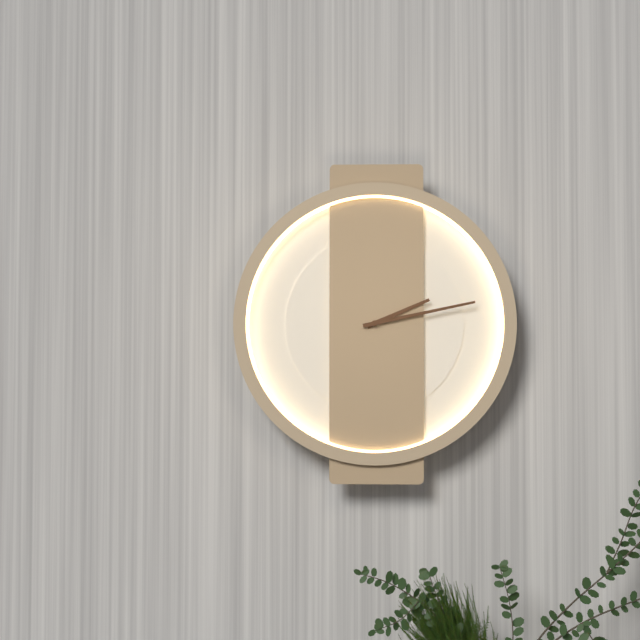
2.13
